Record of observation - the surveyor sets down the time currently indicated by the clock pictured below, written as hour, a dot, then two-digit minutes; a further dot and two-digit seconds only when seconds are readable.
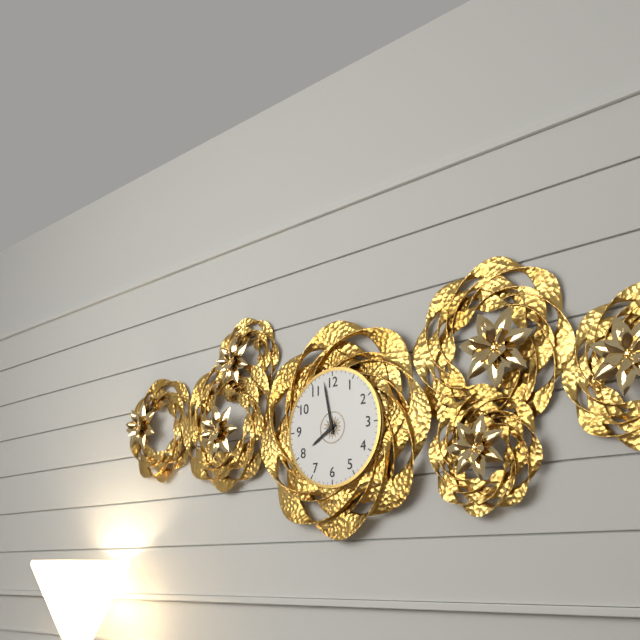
7.58
